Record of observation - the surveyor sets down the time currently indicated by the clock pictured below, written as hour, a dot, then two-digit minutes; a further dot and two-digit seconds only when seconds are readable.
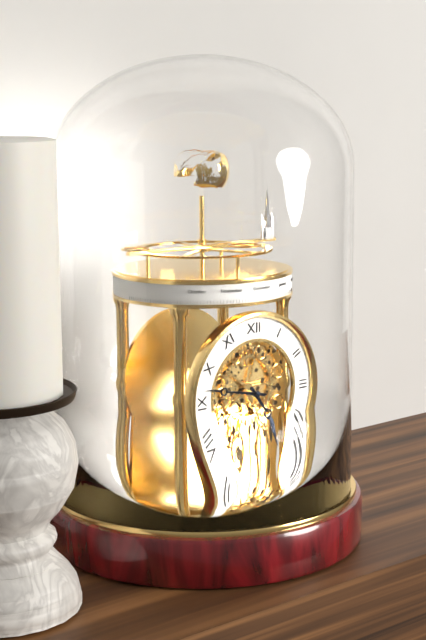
4.47
